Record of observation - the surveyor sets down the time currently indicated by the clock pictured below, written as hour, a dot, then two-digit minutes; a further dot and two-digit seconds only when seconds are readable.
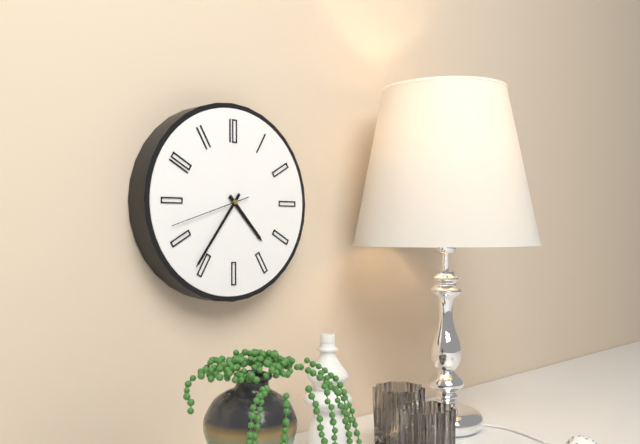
4.36.42
